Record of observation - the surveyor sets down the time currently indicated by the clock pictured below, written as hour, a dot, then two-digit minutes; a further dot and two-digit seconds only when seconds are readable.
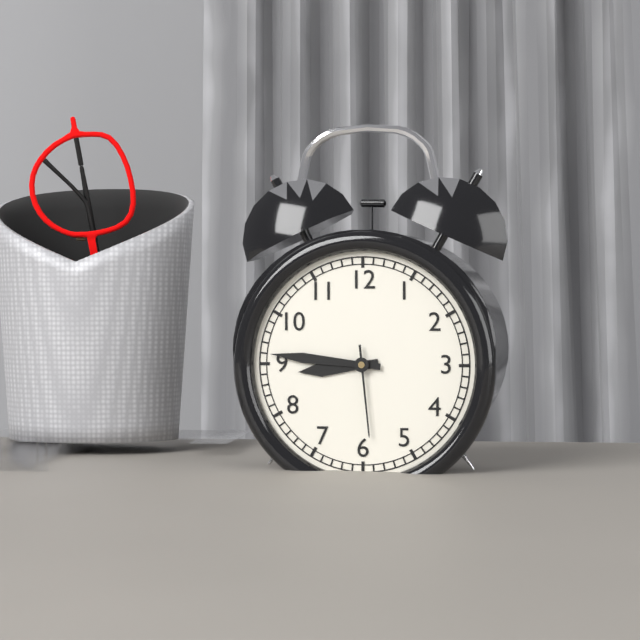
8.46.29
